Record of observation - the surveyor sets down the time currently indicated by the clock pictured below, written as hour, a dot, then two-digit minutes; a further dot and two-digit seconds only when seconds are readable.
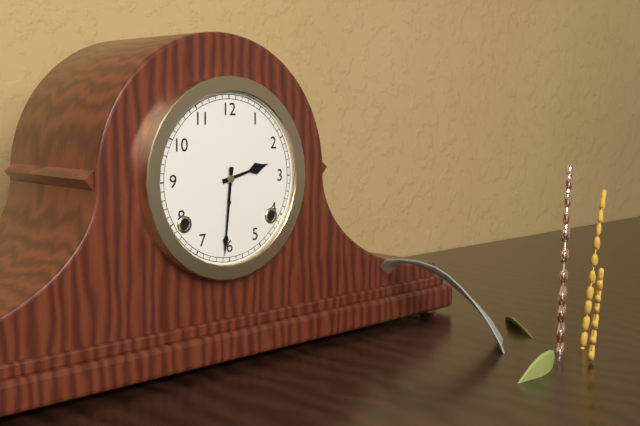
2.31
